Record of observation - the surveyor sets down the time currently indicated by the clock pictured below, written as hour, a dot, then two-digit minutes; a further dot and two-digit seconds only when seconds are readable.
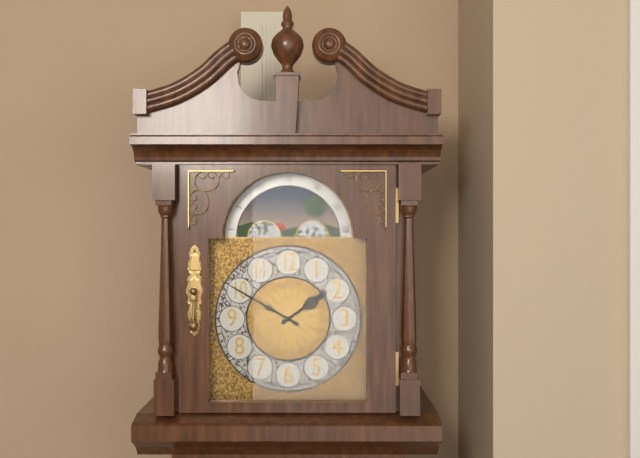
1.50
